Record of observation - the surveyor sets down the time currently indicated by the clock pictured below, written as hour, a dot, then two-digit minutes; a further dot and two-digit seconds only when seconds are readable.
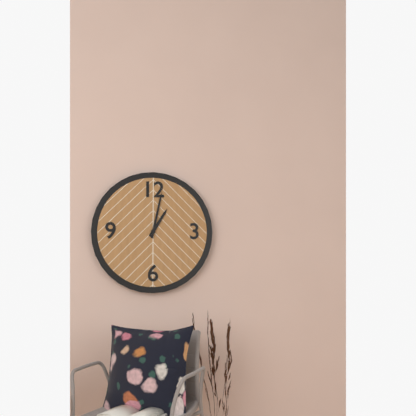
1.02
